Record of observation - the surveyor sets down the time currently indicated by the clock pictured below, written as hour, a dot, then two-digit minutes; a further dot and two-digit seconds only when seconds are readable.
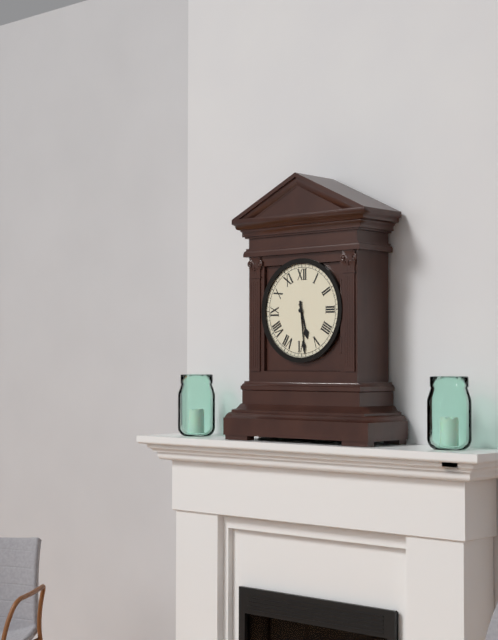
5.29
